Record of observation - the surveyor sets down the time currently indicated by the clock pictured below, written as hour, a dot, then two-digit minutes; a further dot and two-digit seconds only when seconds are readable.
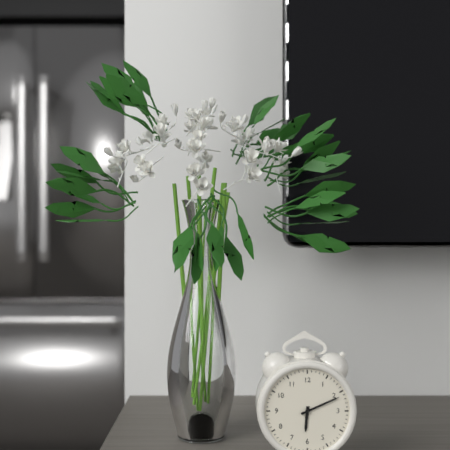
6.11
